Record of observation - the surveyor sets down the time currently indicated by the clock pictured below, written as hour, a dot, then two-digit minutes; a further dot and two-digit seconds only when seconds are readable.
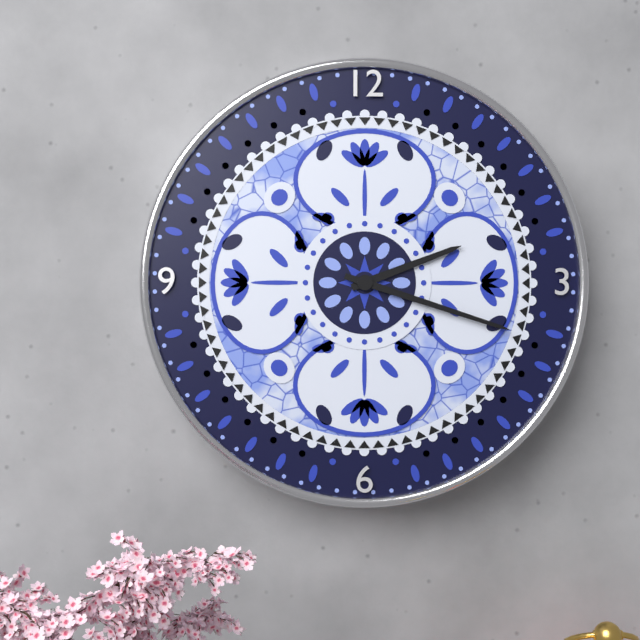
2.18
